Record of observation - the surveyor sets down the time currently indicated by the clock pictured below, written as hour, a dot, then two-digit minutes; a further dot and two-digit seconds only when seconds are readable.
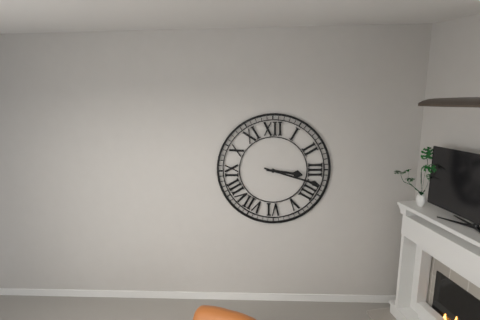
3.18
